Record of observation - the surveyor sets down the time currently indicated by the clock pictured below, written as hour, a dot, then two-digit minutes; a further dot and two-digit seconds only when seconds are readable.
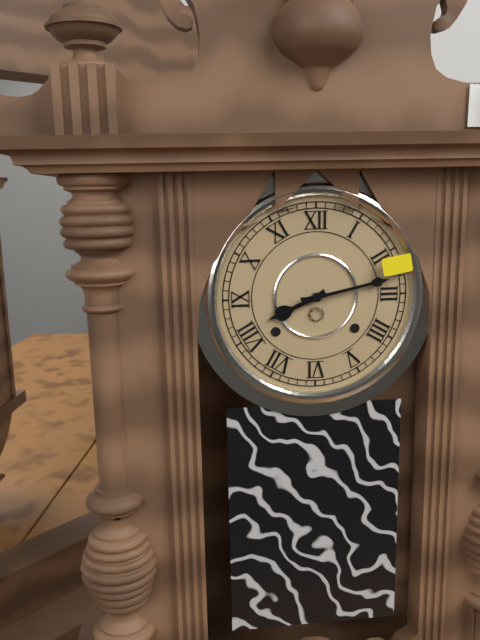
8.13
